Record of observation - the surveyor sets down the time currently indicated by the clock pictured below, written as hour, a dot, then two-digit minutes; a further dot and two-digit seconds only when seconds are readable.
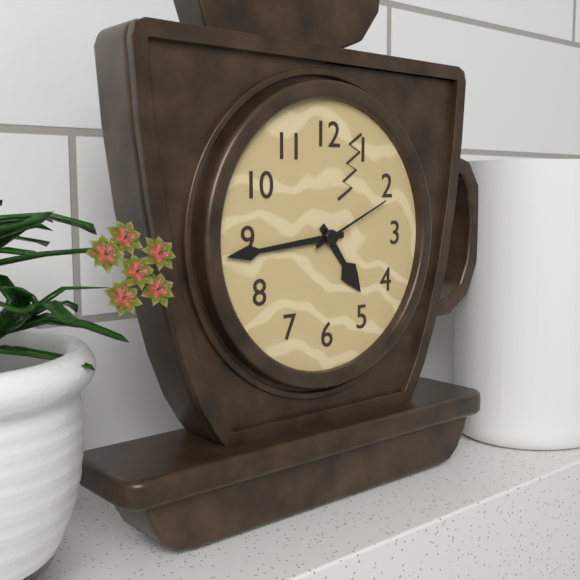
4.44.11
